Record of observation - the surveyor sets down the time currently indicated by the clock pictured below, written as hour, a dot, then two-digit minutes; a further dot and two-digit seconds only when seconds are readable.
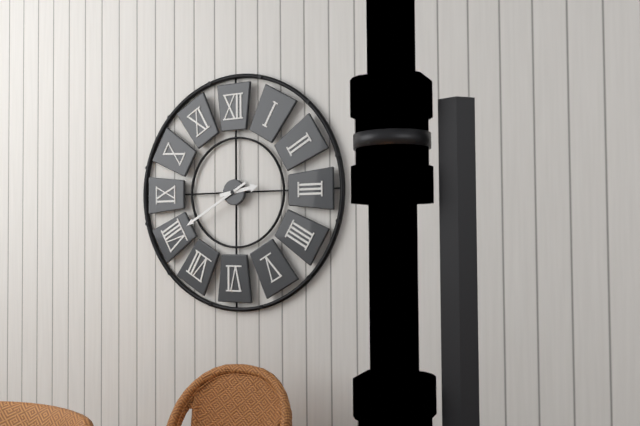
2.40
